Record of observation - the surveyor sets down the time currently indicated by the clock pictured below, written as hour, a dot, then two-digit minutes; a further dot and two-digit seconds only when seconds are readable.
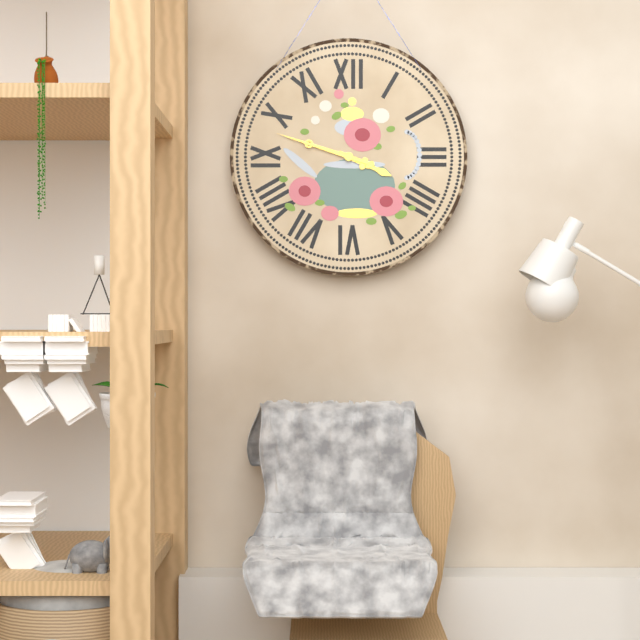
3.48
